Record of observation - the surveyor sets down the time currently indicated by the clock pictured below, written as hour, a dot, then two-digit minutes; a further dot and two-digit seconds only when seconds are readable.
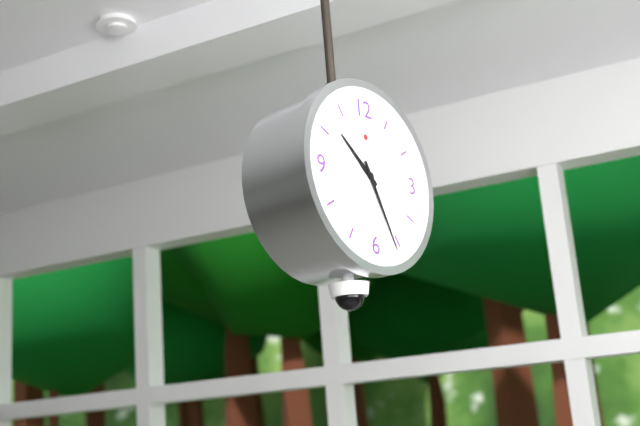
10.26
